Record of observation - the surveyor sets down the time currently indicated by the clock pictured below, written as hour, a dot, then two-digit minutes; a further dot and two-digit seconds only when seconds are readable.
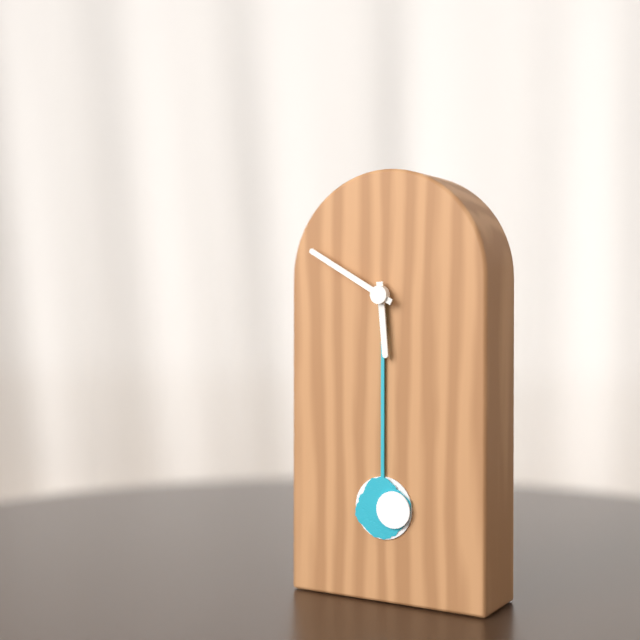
5.50
